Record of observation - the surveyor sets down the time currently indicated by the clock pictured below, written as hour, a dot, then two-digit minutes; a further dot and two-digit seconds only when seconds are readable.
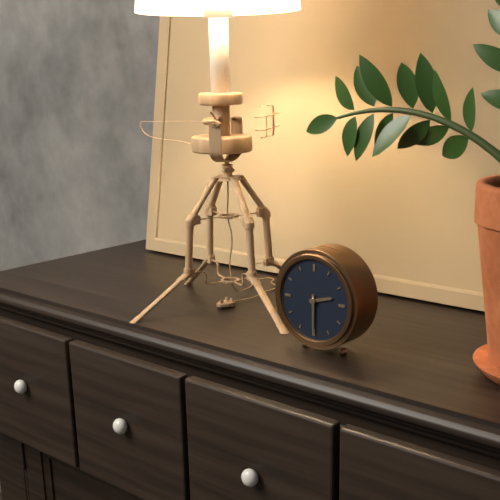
2.30
